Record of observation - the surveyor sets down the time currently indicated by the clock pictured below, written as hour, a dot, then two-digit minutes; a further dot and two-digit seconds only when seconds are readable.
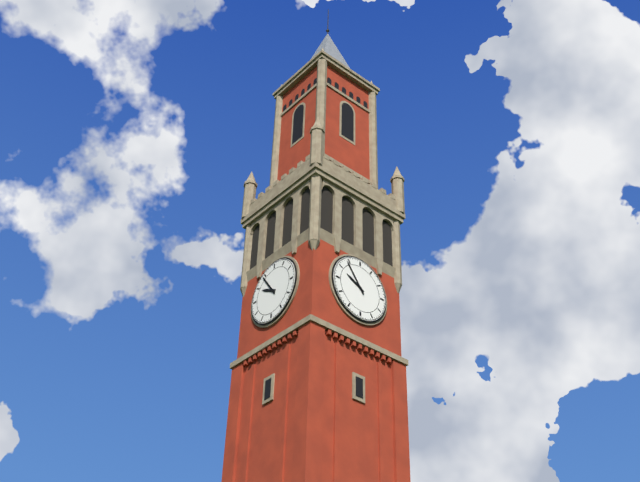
9.54
